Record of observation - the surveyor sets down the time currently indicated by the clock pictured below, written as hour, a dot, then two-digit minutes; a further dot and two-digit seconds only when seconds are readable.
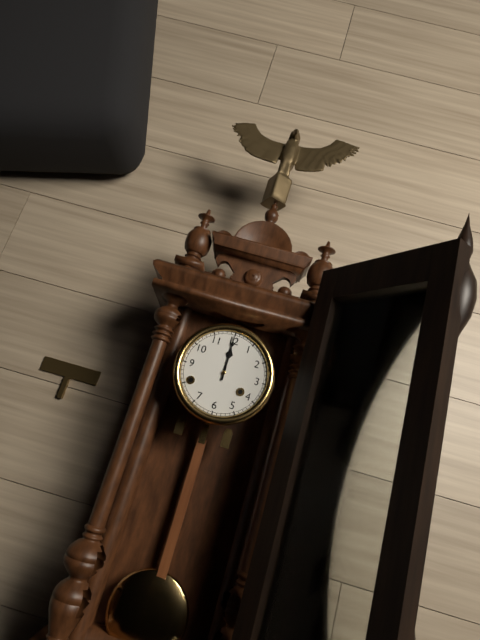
12.00
